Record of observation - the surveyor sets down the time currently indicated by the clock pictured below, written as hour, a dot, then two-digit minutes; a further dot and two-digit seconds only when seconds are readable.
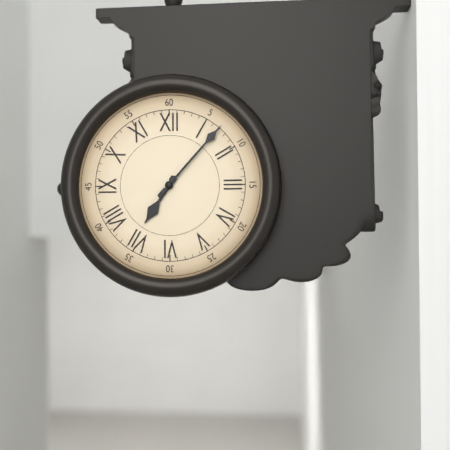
7.07
